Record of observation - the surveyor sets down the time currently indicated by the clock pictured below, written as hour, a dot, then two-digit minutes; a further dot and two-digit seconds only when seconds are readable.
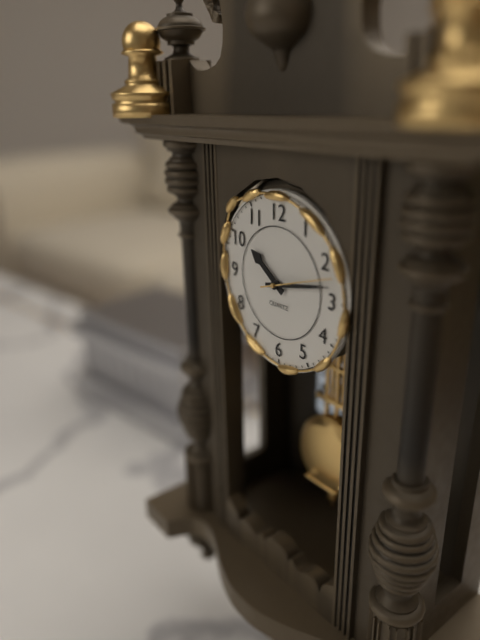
10.13.12
